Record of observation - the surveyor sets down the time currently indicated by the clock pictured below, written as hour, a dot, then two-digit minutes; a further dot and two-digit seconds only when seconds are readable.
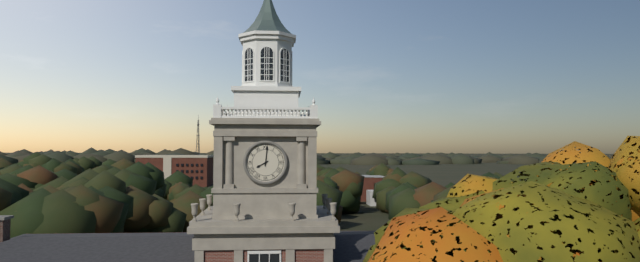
8.01
